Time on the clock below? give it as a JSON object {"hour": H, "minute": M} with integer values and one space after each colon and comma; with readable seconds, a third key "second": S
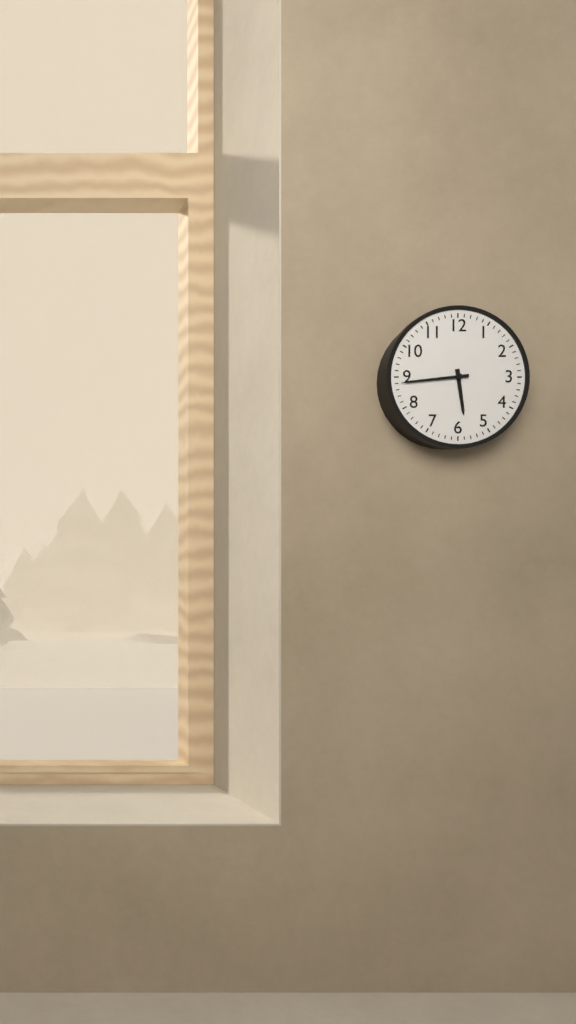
{"hour": 5, "minute": 44}
